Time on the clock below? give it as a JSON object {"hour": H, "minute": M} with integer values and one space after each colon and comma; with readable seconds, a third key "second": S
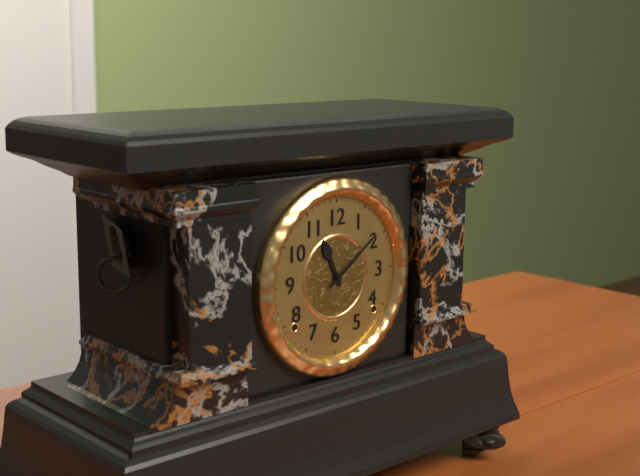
{"hour": 11, "minute": 9}
